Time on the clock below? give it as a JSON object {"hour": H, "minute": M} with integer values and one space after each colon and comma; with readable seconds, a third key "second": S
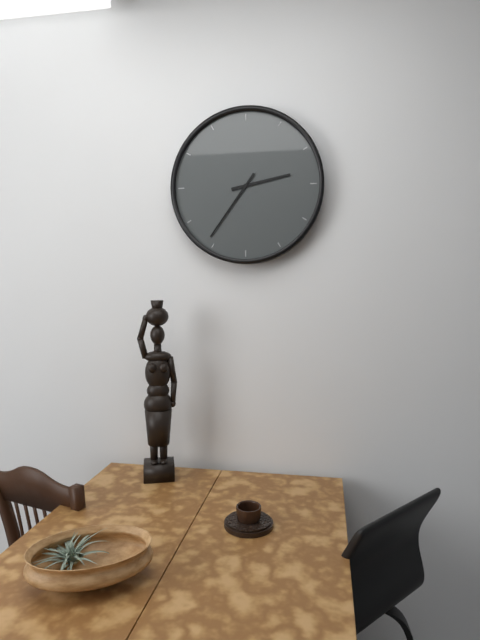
{"hour": 2, "minute": 36}
